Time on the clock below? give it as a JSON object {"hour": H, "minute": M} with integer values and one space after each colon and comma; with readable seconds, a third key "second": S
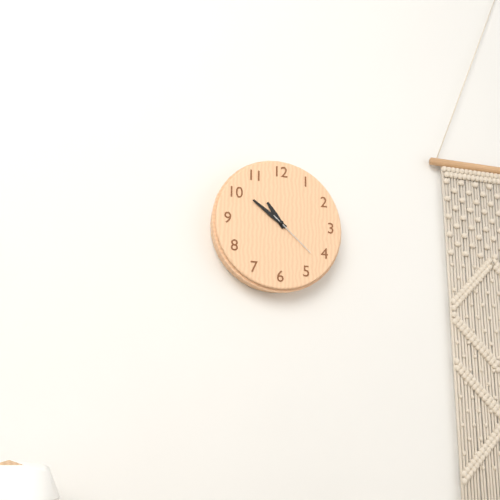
{"hour": 10, "minute": 51, "second": 22}
